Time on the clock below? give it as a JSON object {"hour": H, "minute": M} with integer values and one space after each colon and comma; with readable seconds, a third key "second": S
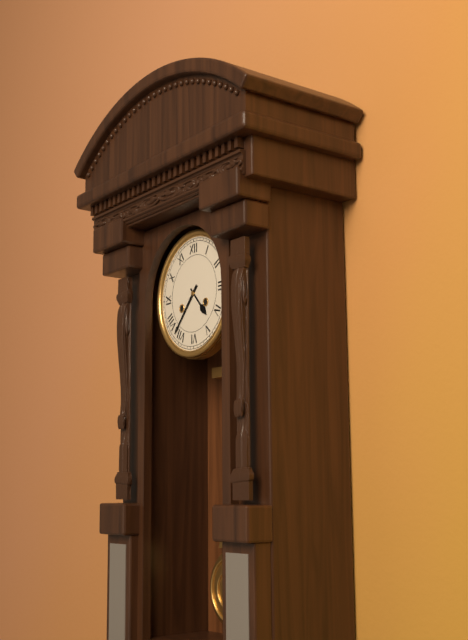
{"hour": 4, "minute": 37}
